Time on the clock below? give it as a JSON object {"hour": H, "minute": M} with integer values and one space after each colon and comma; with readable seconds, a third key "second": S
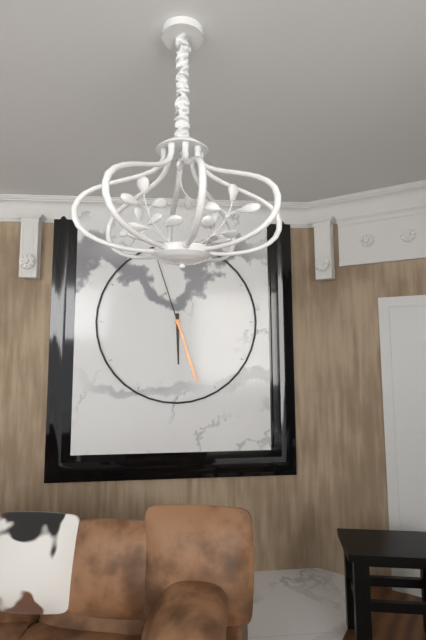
{"hour": 5, "minute": 57}
